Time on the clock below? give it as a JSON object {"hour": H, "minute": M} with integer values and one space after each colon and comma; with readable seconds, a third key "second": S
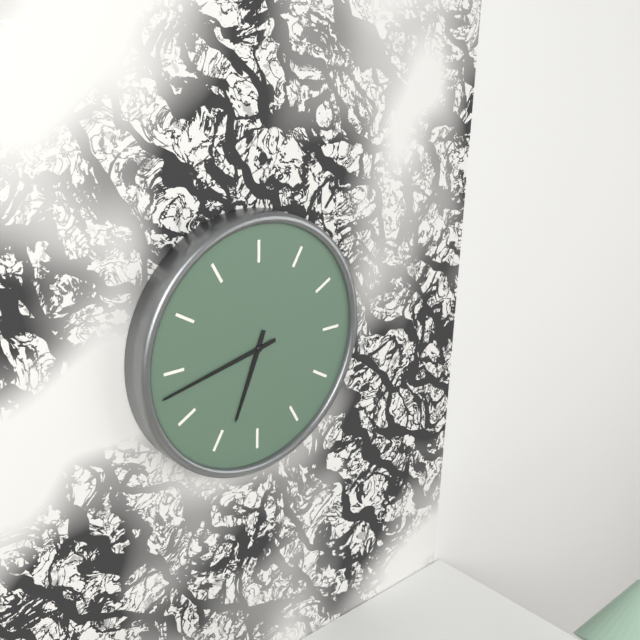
{"hour": 6, "minute": 43}
